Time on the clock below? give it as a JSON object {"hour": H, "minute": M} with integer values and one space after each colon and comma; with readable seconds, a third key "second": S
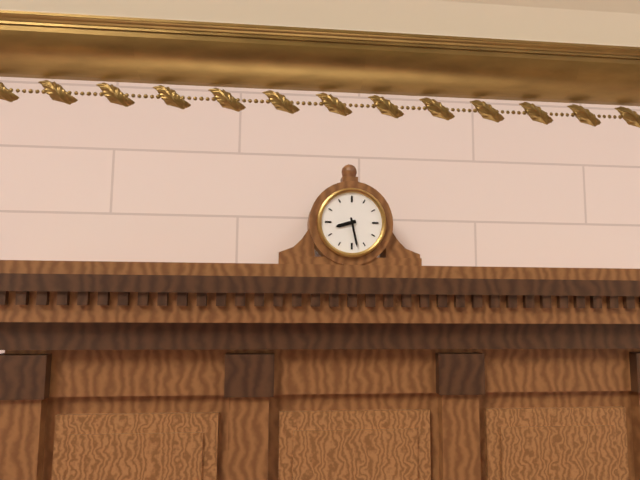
{"hour": 8, "minute": 28}
